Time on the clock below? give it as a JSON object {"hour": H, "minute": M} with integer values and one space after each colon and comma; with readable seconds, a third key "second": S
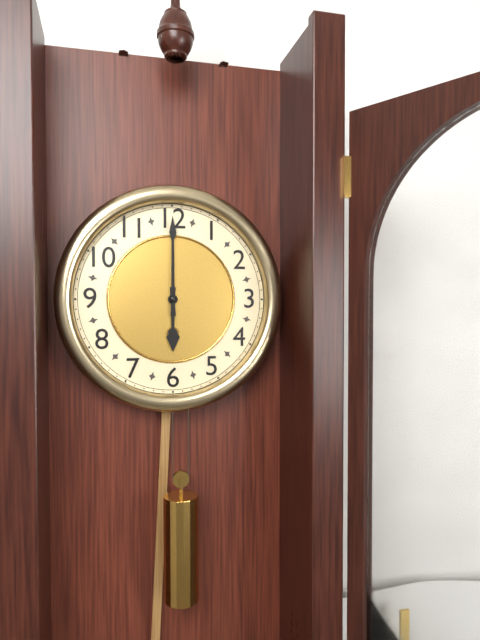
{"hour": 6, "minute": 0}
